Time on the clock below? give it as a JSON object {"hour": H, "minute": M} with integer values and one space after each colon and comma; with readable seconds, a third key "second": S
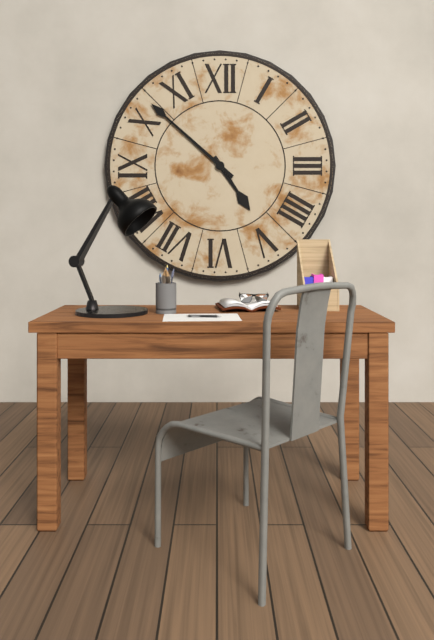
{"hour": 4, "minute": 52}
